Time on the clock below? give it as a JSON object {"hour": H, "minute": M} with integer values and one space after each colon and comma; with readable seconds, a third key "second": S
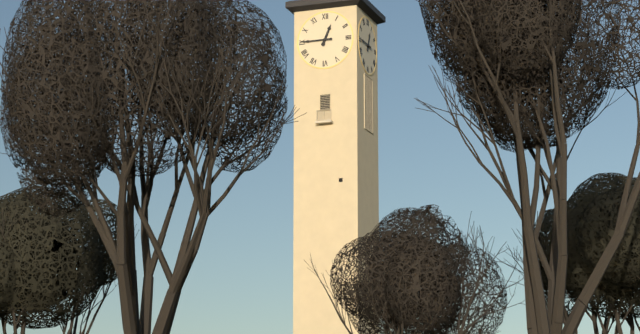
{"hour": 12, "minute": 45}
